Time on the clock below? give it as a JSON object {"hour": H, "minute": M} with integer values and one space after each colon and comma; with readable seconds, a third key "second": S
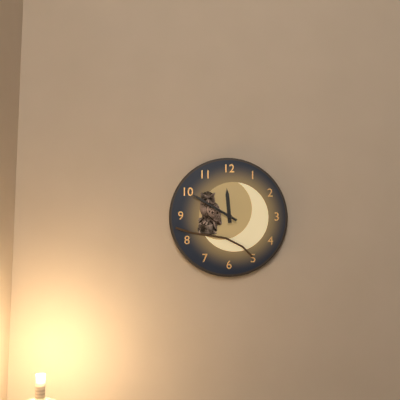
{"hour": 11, "minute": 50}
